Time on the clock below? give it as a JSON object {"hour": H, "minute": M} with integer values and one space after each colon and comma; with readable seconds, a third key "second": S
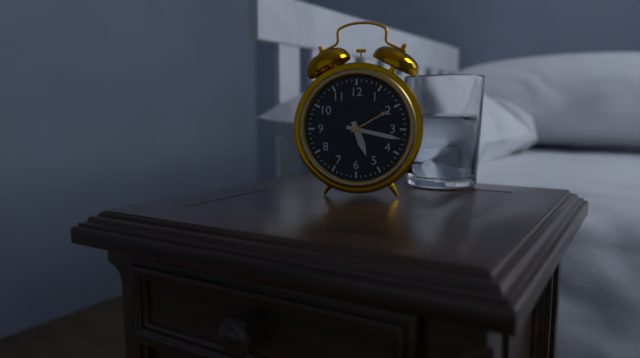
{"hour": 5, "minute": 17}
